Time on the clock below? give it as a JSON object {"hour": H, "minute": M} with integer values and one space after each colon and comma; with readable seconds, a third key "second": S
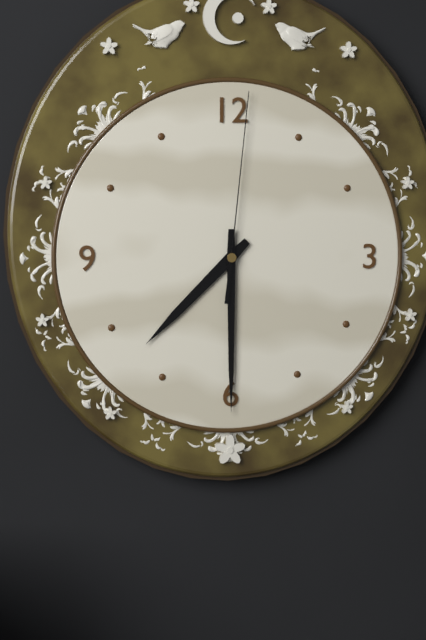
{"hour": 7, "minute": 30, "second": 1}
